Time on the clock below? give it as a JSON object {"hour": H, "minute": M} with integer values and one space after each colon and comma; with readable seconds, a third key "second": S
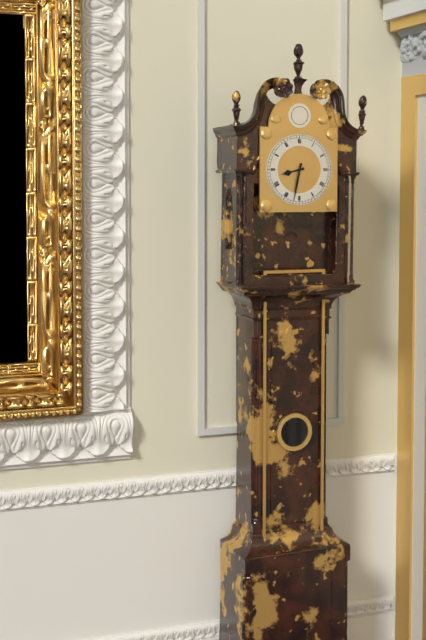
{"hour": 8, "minute": 32}
